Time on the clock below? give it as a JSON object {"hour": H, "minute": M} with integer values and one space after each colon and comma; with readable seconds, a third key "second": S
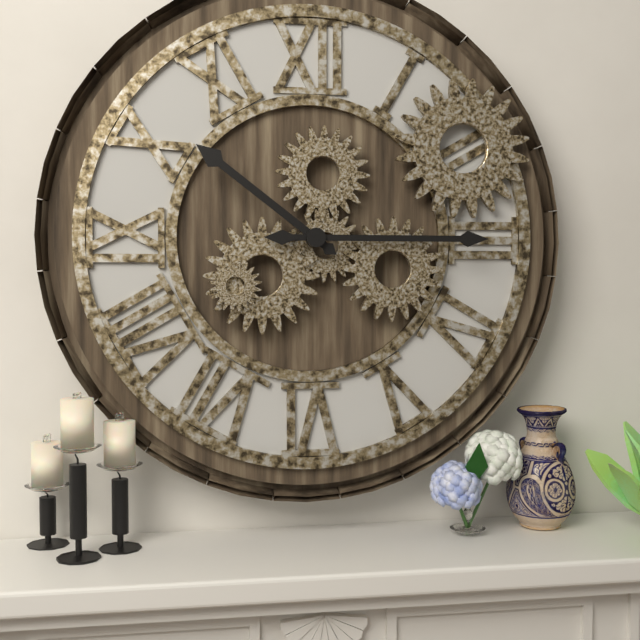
{"hour": 10, "minute": 15}
